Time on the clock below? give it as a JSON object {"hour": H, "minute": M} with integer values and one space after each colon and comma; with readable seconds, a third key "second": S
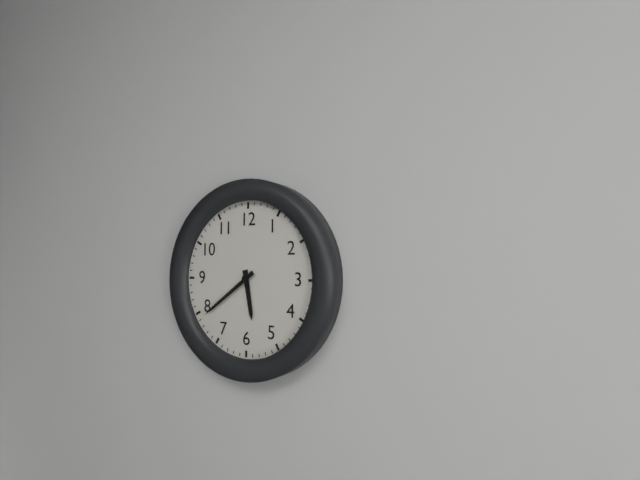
{"hour": 5, "minute": 39}
